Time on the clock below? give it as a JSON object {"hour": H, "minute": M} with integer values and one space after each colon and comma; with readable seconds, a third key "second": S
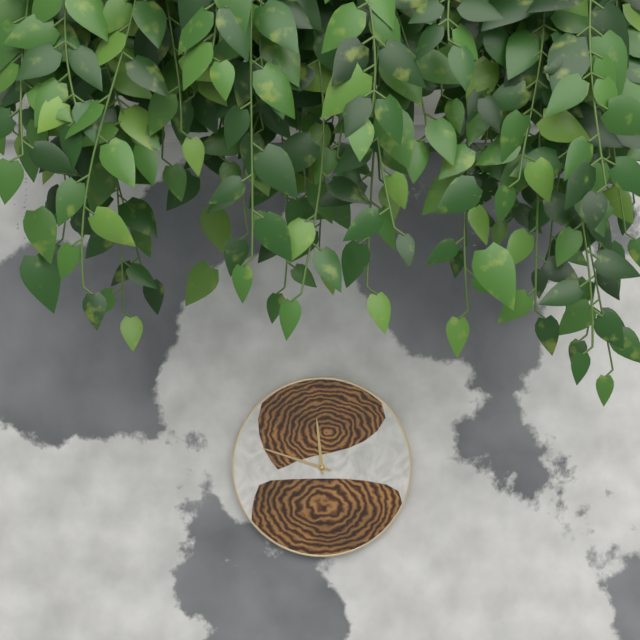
{"hour": 11, "minute": 48}
